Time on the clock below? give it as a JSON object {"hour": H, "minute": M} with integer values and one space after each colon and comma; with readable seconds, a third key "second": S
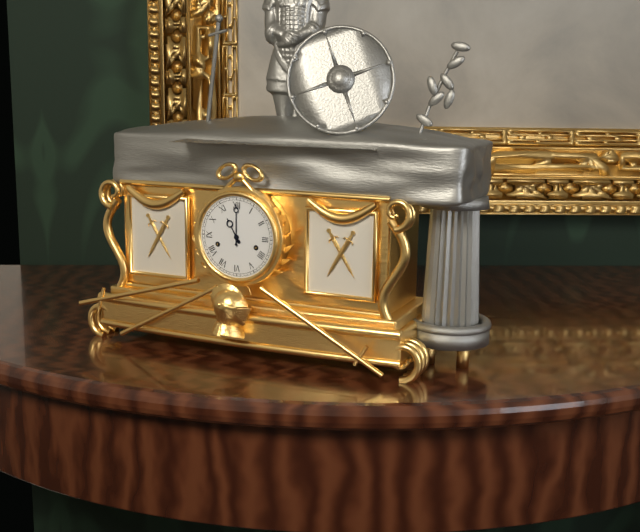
{"hour": 11, "minute": 0}
